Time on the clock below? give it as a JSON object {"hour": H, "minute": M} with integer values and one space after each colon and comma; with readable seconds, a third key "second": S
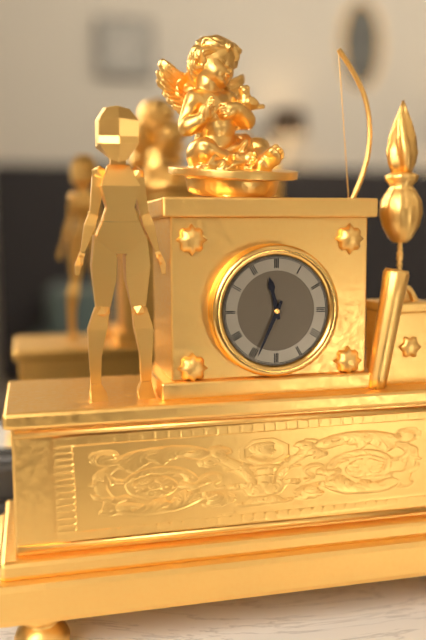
{"hour": 11, "minute": 34}
